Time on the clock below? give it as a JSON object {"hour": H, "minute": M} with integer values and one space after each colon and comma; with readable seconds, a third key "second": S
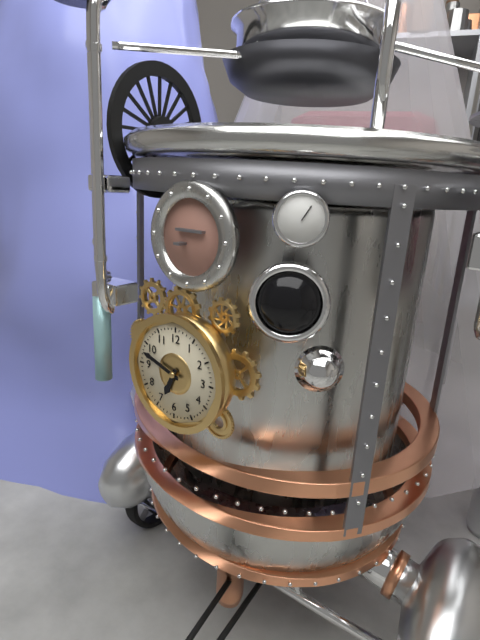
{"hour": 6, "minute": 48}
